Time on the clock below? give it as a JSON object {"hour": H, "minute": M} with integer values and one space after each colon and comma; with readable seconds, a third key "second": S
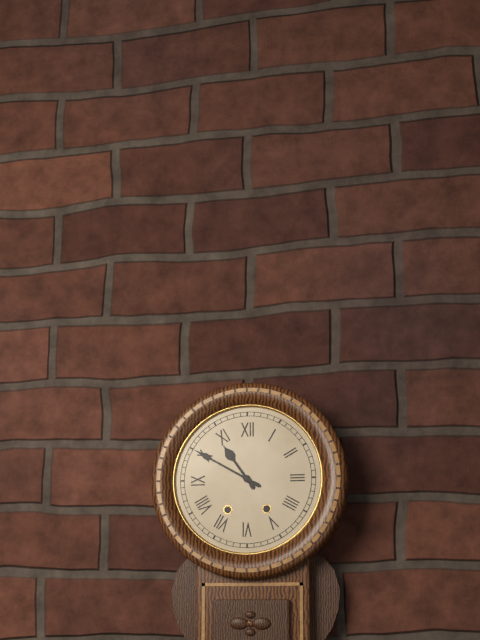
{"hour": 10, "minute": 50}
